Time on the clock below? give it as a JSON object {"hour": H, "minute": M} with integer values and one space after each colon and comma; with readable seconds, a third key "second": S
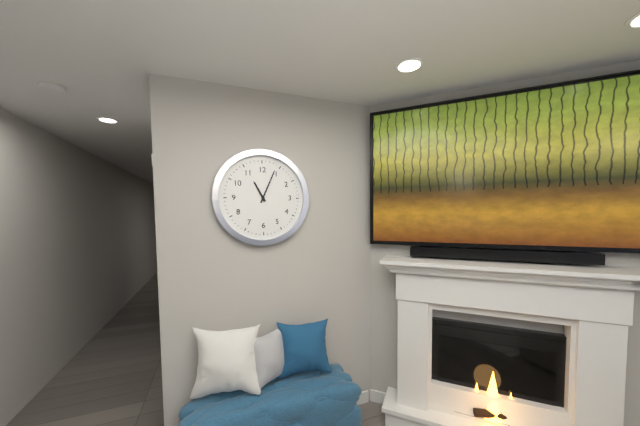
{"hour": 11, "minute": 4}
